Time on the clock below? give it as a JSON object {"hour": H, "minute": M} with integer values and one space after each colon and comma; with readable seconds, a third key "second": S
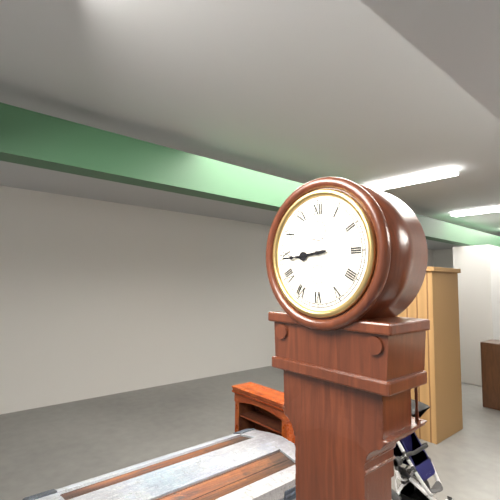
{"hour": 8, "minute": 44}
